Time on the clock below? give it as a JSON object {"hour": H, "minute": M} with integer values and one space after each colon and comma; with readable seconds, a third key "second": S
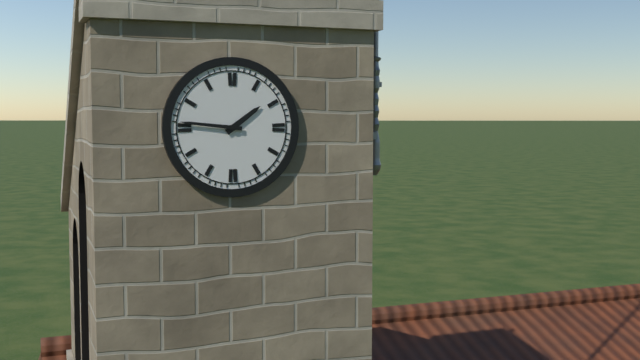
{"hour": 1, "minute": 46}
